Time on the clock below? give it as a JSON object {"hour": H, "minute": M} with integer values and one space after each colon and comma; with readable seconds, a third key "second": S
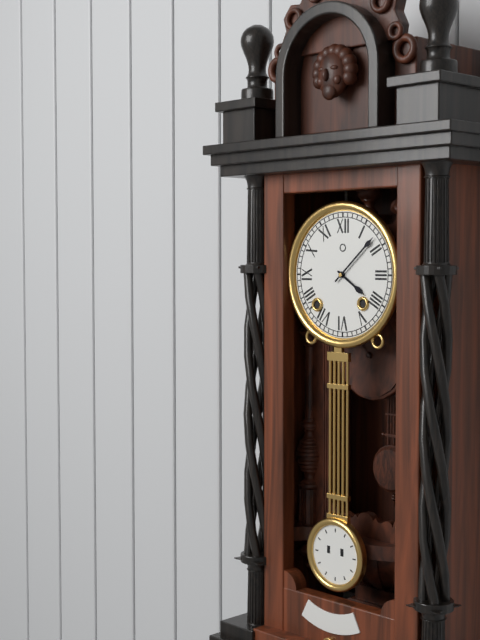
{"hour": 4, "minute": 8}
